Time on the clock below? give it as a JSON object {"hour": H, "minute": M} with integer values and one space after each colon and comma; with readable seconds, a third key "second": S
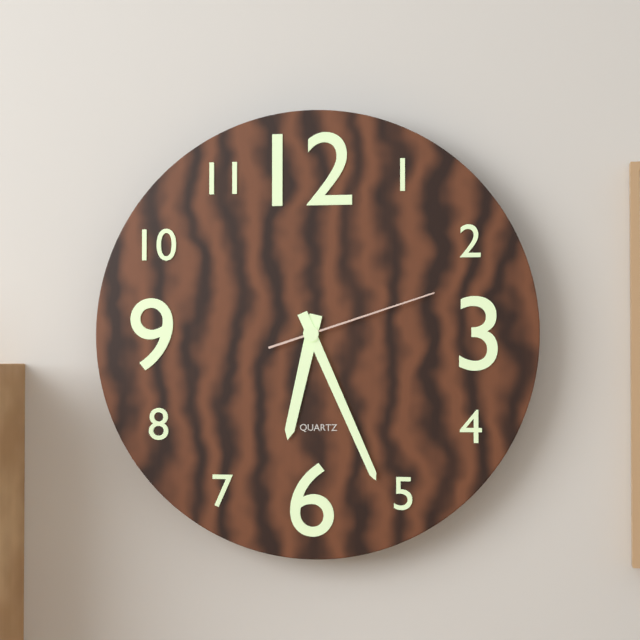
{"hour": 6, "minute": 26, "second": 12}
